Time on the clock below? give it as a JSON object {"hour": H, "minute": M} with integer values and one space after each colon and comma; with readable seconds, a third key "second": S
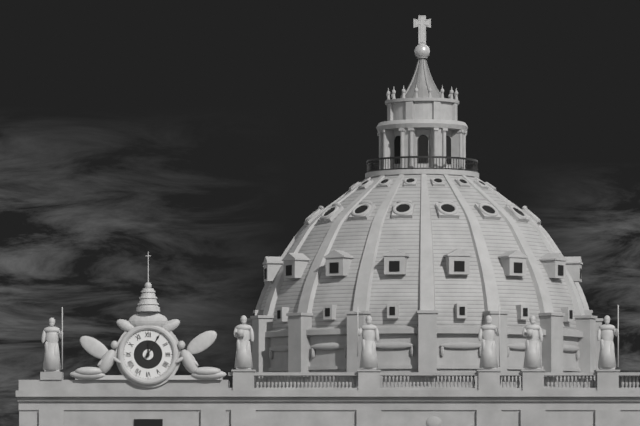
{"hour": 12, "minute": 5}
